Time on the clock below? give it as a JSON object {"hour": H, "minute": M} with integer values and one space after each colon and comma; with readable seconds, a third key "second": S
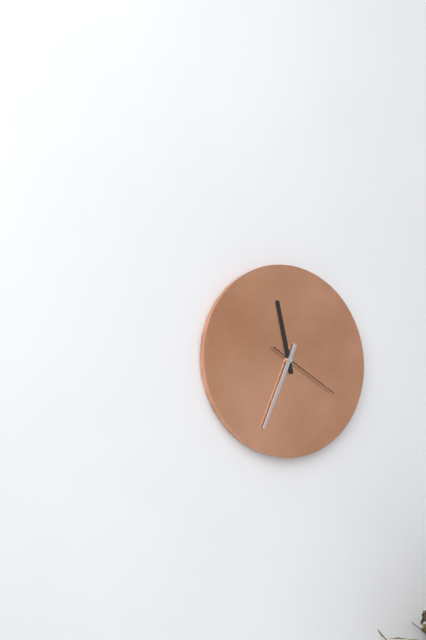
{"hour": 11, "minute": 34, "second": 20}
